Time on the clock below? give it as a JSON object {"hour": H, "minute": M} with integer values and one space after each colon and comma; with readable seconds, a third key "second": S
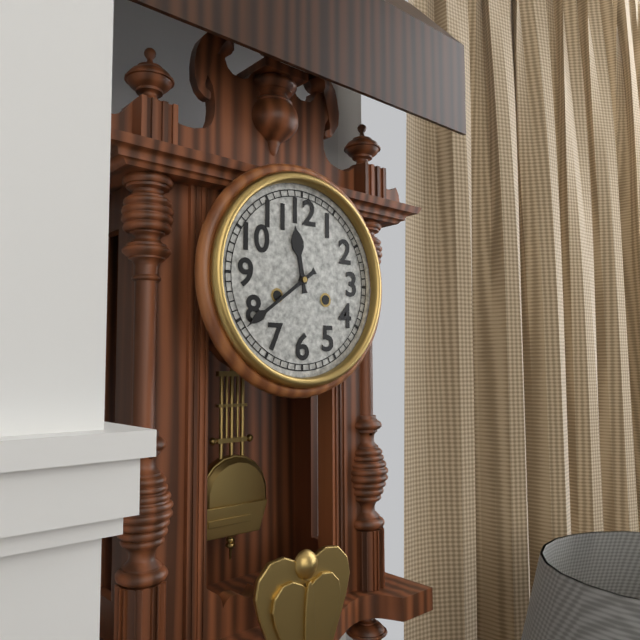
{"hour": 11, "minute": 39}
